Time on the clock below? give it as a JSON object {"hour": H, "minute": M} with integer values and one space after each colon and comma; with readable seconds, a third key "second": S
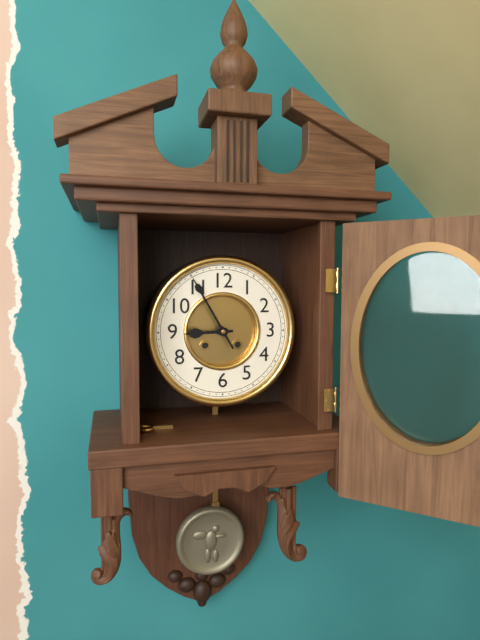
{"hour": 8, "minute": 55}
